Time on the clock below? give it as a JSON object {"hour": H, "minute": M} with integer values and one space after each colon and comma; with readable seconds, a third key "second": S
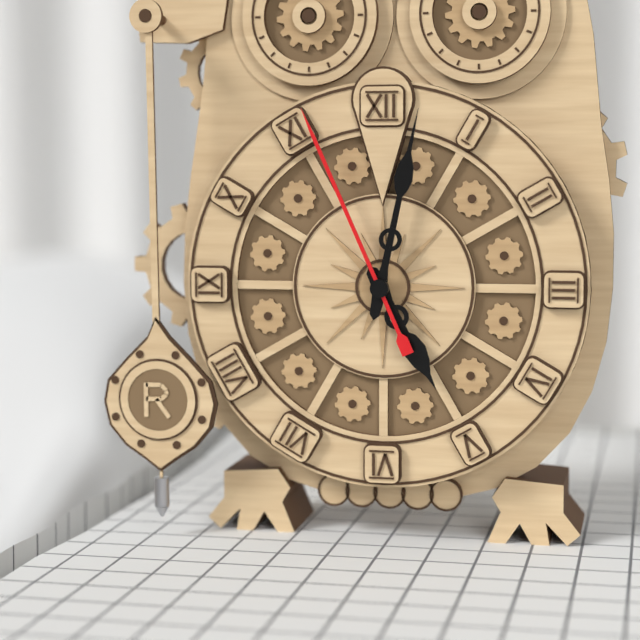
{"hour": 5, "minute": 2, "second": 56}
